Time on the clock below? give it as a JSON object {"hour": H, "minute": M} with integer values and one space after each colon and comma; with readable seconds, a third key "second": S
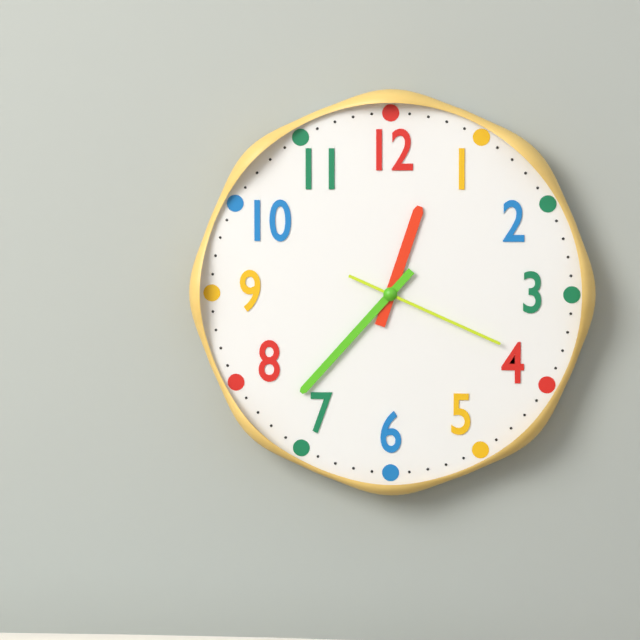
{"hour": 12, "minute": 37, "second": 19}
